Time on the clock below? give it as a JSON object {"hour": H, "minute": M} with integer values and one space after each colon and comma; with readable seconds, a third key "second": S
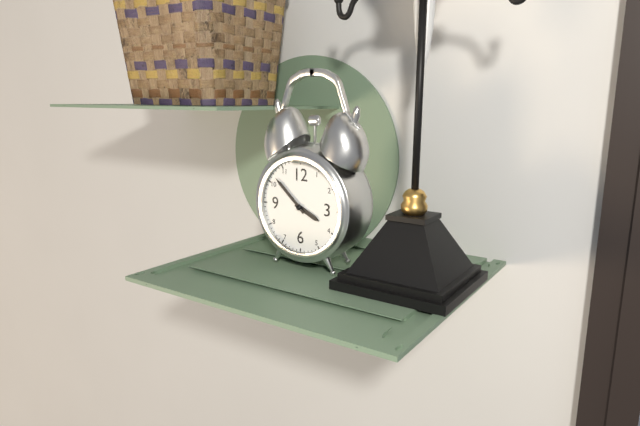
{"hour": 3, "minute": 52}
